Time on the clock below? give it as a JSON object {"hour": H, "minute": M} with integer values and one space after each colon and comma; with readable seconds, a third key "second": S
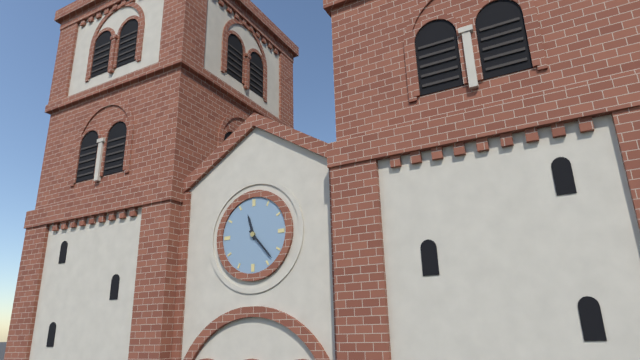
{"hour": 11, "minute": 23}
